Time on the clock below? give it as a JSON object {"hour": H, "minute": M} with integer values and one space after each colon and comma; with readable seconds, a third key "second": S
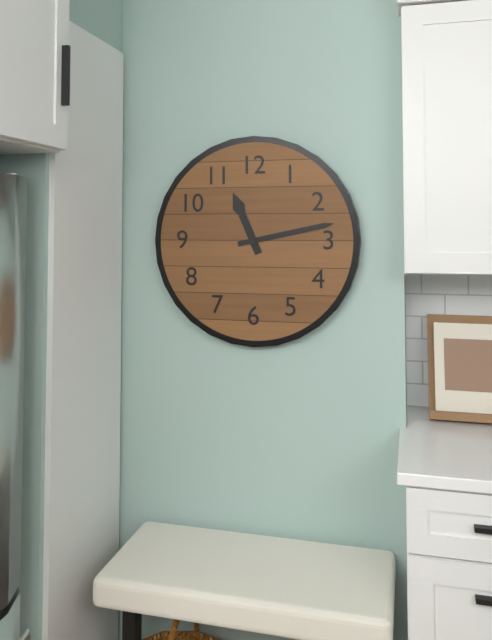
{"hour": 11, "minute": 13}
